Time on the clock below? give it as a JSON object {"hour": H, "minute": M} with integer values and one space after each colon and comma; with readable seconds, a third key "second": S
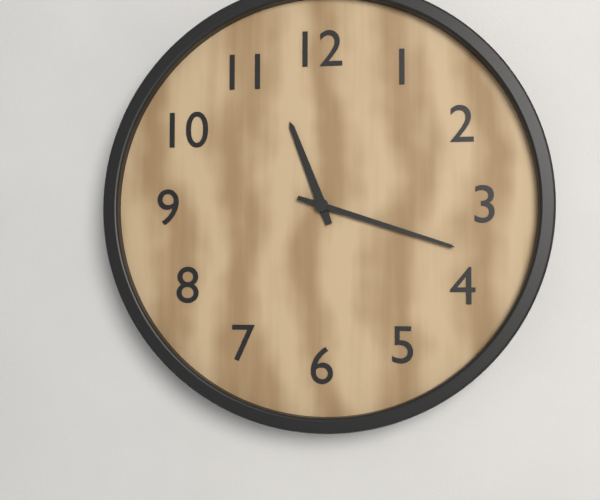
{"hour": 11, "minute": 18}
